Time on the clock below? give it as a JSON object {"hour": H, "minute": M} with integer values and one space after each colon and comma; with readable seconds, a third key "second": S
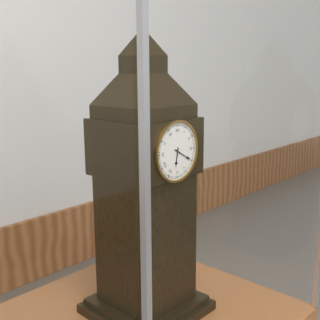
{"hour": 6, "minute": 20}
